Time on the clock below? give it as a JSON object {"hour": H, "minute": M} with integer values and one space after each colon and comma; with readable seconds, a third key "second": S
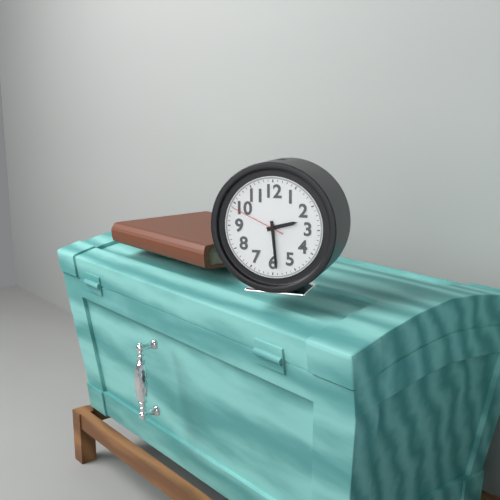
{"hour": 2, "minute": 29, "second": 49}
